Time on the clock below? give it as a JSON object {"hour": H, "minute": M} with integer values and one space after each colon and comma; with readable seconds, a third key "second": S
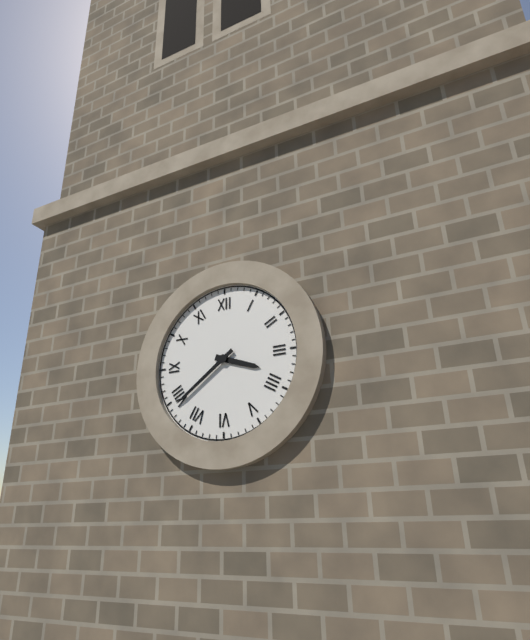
{"hour": 3, "minute": 39}
